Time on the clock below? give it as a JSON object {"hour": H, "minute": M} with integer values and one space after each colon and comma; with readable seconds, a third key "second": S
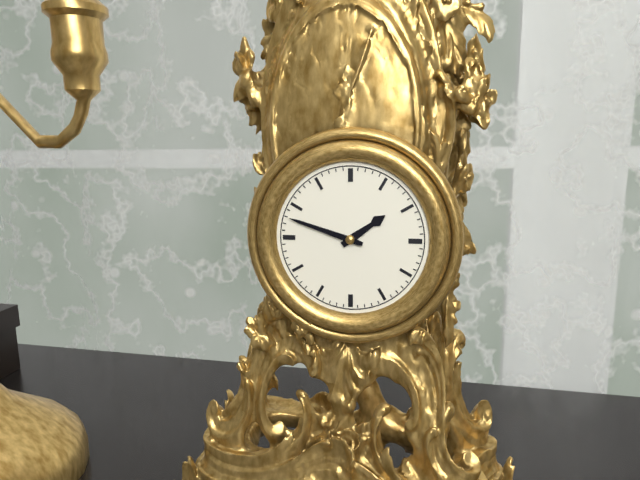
{"hour": 1, "minute": 48}
